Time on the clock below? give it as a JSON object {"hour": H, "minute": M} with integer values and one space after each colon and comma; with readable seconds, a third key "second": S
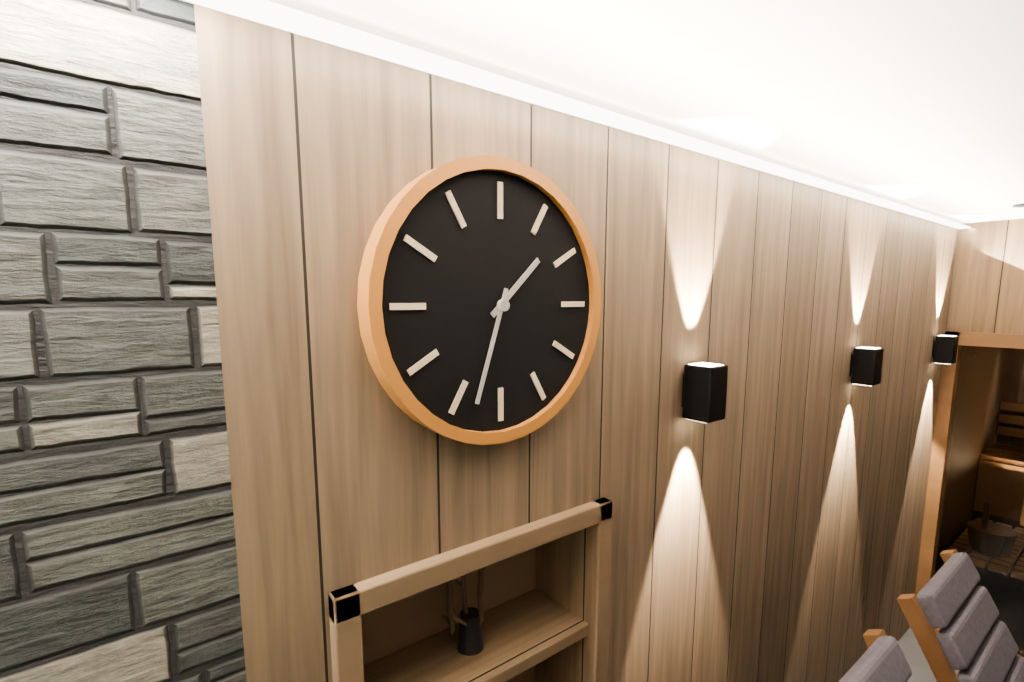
{"hour": 1, "minute": 33}
